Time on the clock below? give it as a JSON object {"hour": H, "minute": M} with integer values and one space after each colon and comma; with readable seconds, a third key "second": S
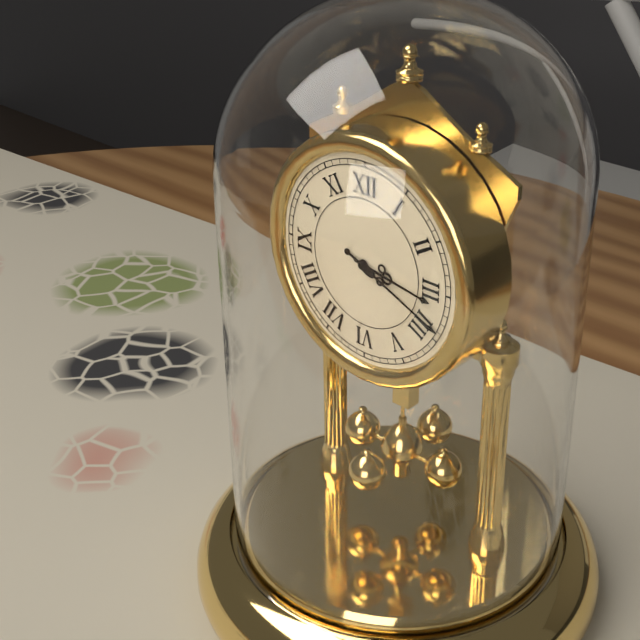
{"hour": 3, "minute": 19}
